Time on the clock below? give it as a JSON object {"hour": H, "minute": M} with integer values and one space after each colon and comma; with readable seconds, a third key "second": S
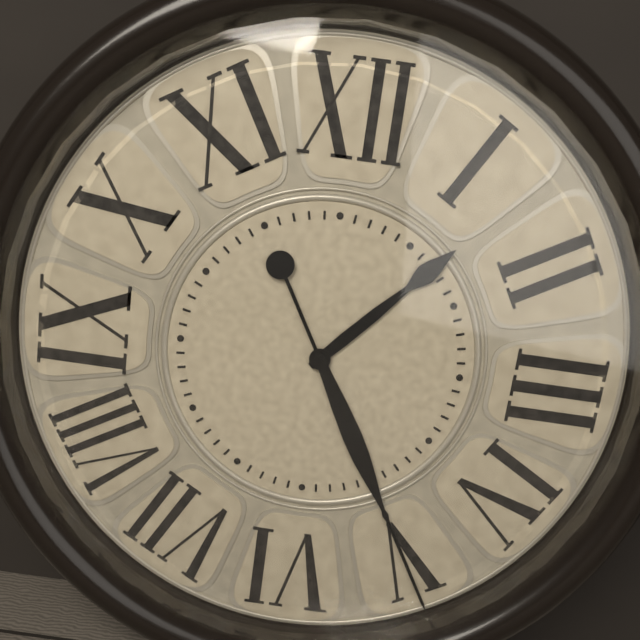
{"hour": 1, "minute": 25}
